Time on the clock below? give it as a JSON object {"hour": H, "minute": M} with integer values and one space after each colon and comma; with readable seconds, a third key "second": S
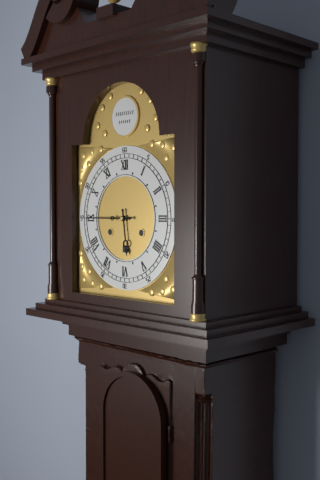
{"hour": 5, "minute": 45}
